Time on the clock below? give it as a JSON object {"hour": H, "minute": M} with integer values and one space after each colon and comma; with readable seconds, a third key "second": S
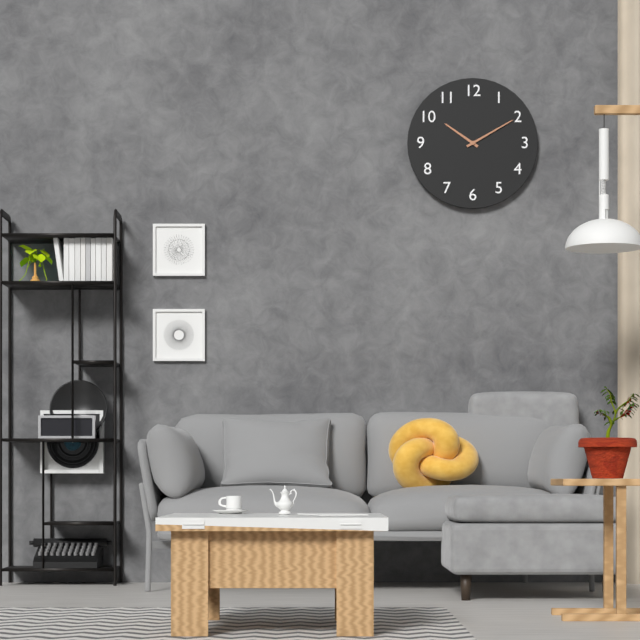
{"hour": 10, "minute": 10}
